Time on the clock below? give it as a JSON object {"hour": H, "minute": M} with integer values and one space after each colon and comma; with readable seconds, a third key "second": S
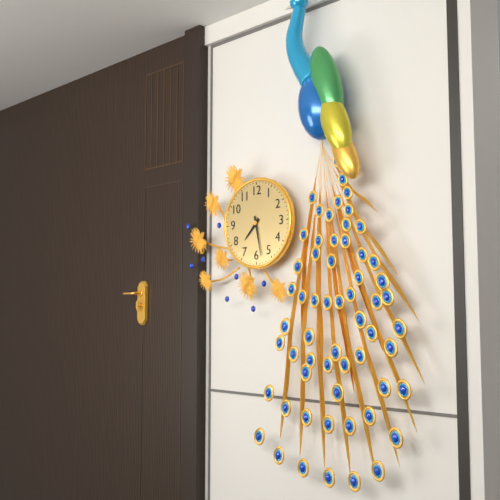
{"hour": 7, "minute": 28}
